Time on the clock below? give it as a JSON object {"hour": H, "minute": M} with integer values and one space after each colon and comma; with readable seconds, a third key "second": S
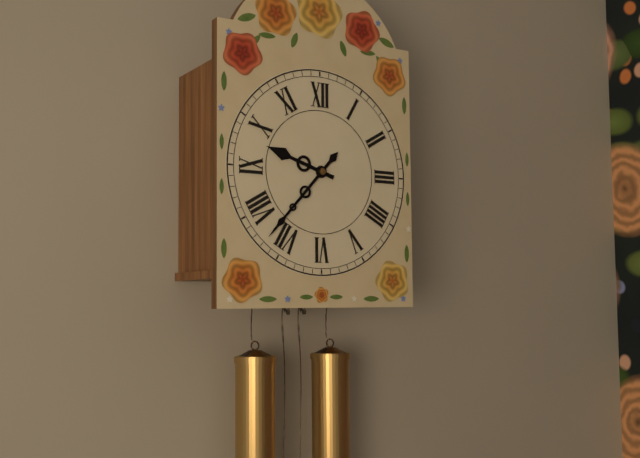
{"hour": 9, "minute": 37}
